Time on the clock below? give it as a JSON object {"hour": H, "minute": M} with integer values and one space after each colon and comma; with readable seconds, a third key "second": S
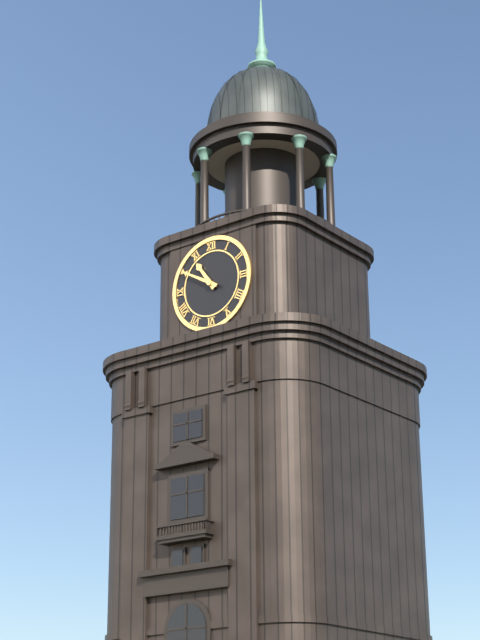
{"hour": 10, "minute": 50}
